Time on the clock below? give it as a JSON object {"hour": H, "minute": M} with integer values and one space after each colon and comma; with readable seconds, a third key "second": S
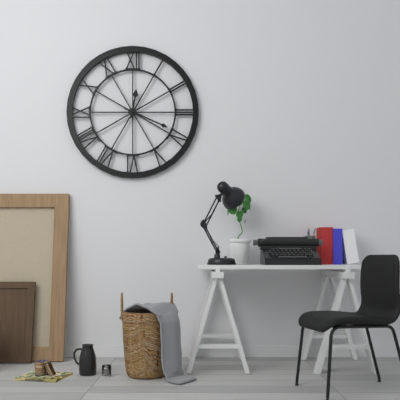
{"hour": 12, "minute": 19}
